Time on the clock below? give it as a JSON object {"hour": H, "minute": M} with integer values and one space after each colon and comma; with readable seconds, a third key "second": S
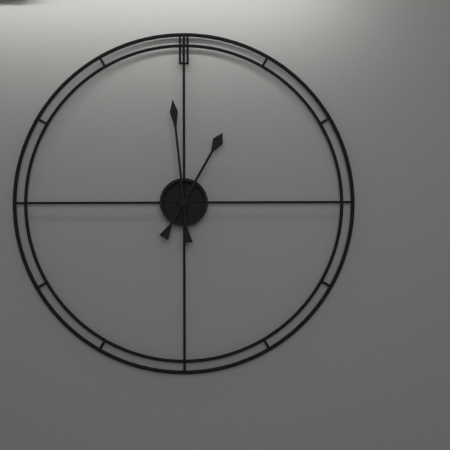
{"hour": 12, "minute": 59}
